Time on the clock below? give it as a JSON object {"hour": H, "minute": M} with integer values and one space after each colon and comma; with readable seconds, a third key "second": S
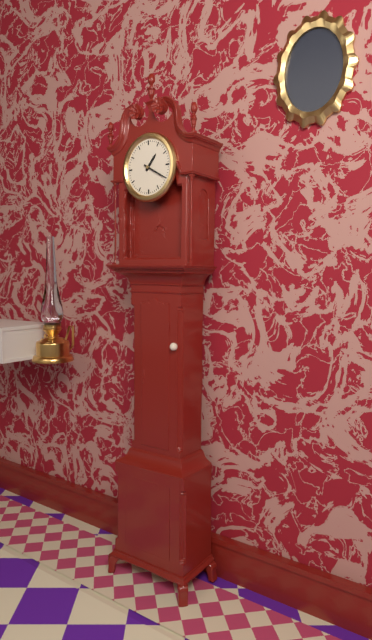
{"hour": 1, "minute": 20}
